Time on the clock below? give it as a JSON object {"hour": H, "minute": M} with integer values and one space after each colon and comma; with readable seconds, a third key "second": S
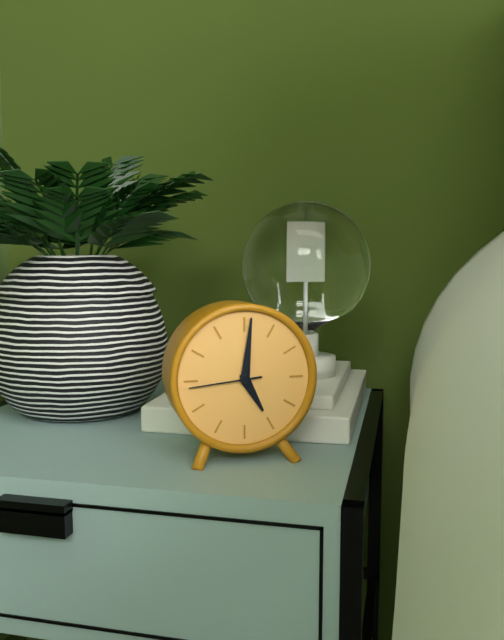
{"hour": 5, "minute": 1, "second": 44}
